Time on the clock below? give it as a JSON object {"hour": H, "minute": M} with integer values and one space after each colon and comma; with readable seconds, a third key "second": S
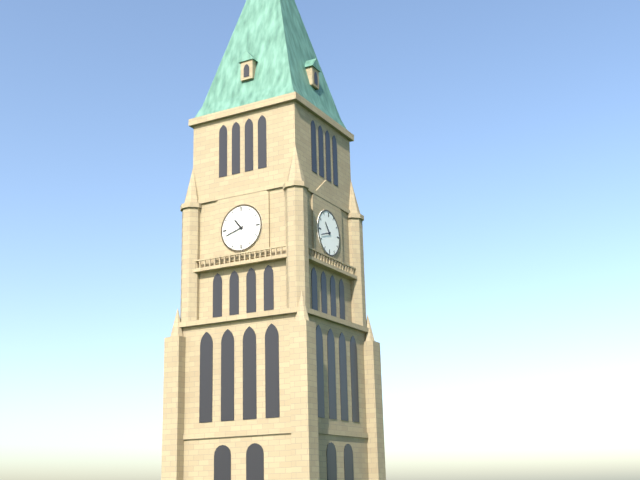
{"hour": 10, "minute": 42}
